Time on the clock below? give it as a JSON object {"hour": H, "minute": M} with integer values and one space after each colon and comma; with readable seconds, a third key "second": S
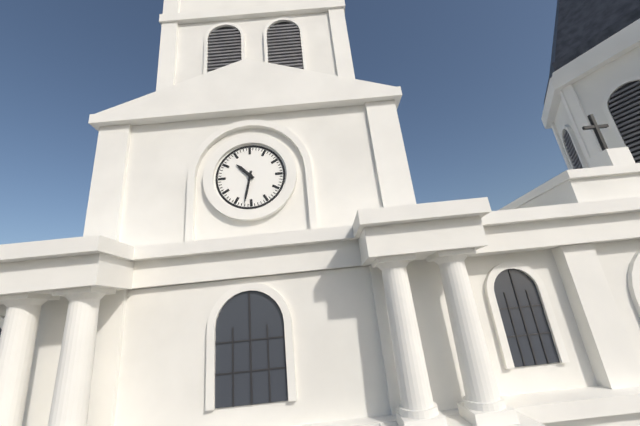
{"hour": 10, "minute": 32}
